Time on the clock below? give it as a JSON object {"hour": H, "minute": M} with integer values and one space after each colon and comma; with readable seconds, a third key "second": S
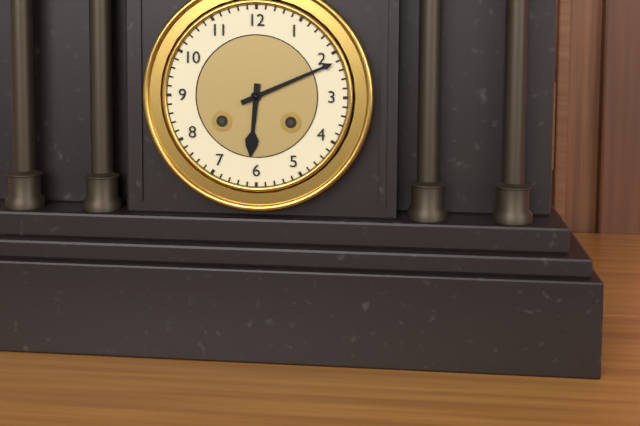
{"hour": 6, "minute": 11}
